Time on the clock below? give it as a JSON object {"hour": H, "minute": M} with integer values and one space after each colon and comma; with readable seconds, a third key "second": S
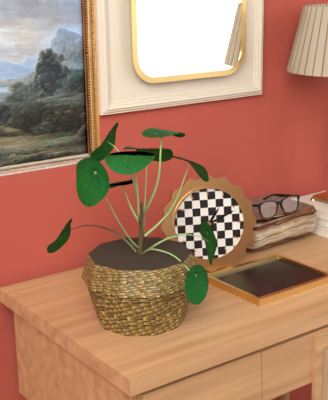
{"hour": 1, "minute": 11}
